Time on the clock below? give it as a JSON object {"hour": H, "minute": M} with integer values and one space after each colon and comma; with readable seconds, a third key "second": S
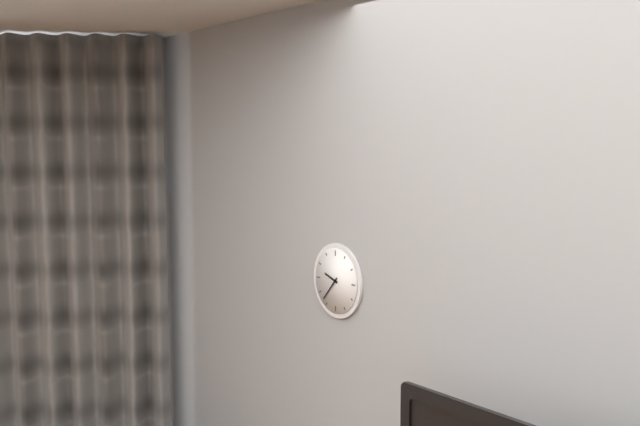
{"hour": 9, "minute": 37}
